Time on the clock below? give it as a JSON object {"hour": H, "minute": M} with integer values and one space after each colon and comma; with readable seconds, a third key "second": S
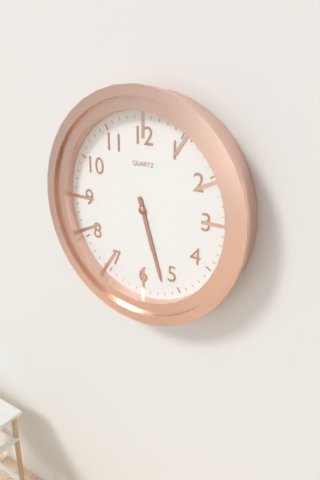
{"hour": 5, "minute": 27}
